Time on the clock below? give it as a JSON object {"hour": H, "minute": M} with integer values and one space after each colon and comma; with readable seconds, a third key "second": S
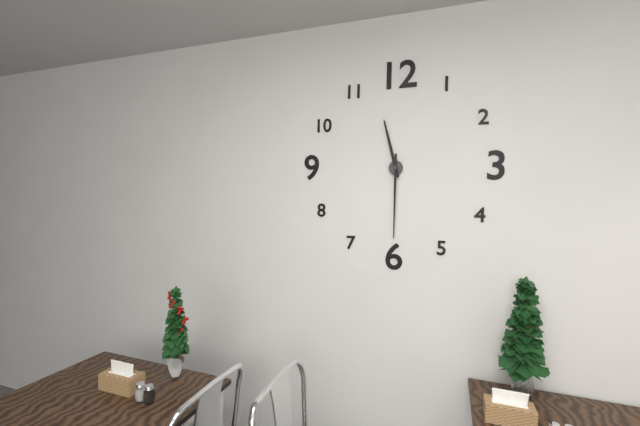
{"hour": 11, "minute": 30}
